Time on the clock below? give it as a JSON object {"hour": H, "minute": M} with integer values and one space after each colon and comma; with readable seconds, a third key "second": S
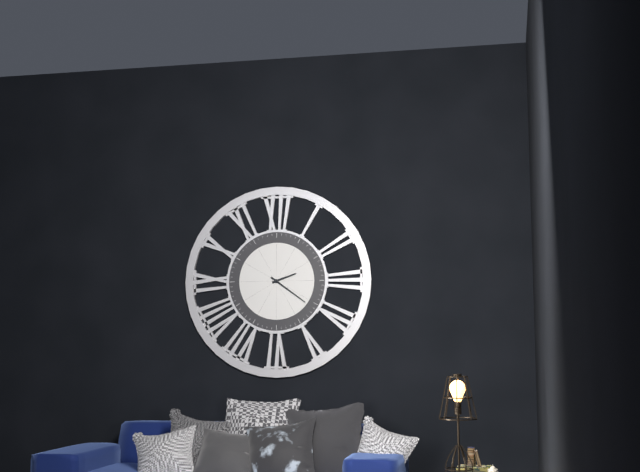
{"hour": 2, "minute": 21}
